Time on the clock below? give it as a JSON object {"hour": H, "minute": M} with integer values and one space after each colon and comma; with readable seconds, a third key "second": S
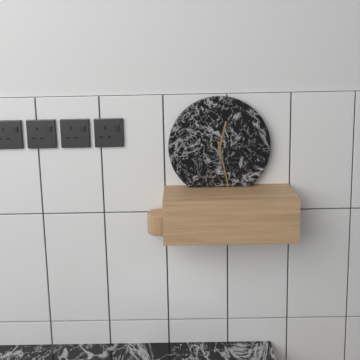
{"hour": 12, "minute": 28}
